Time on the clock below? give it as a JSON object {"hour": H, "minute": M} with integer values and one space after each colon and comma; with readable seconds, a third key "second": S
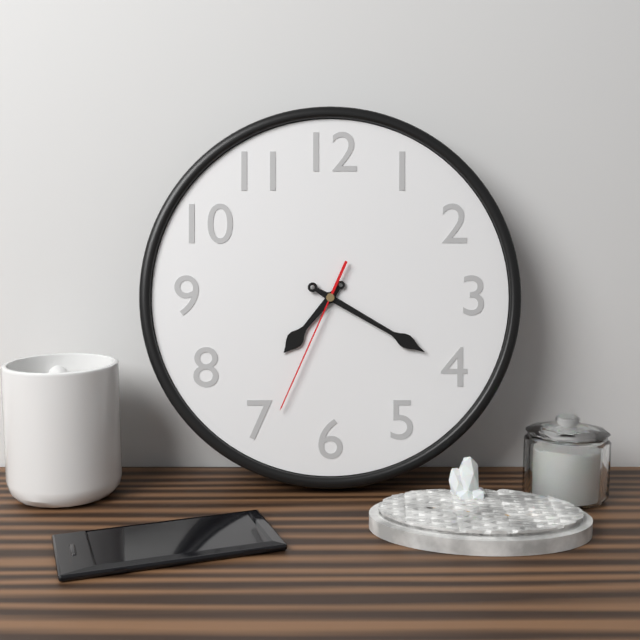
{"hour": 7, "minute": 20, "second": 34}
